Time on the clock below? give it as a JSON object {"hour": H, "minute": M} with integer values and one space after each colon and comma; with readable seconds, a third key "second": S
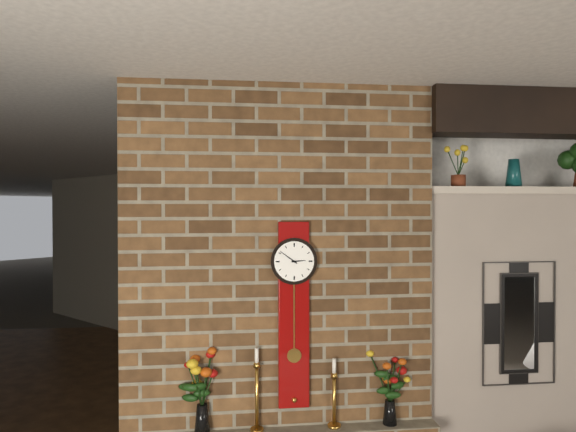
{"hour": 2, "minute": 51}
